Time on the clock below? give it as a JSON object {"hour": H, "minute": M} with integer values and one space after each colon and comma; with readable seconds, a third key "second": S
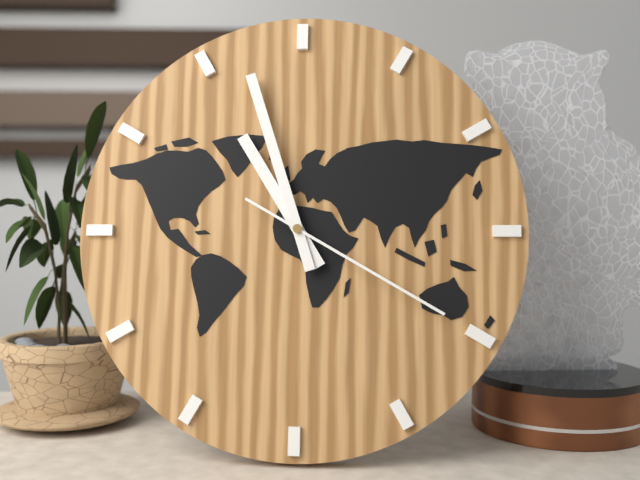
{"hour": 10, "minute": 57, "second": 20}
